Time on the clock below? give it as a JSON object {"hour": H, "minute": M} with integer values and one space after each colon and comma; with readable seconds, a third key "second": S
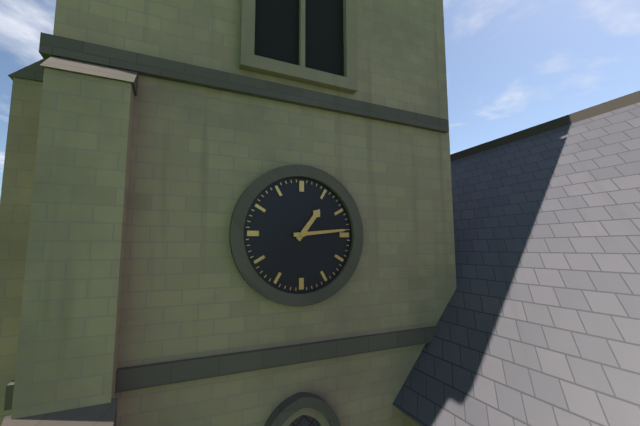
{"hour": 1, "minute": 14}
